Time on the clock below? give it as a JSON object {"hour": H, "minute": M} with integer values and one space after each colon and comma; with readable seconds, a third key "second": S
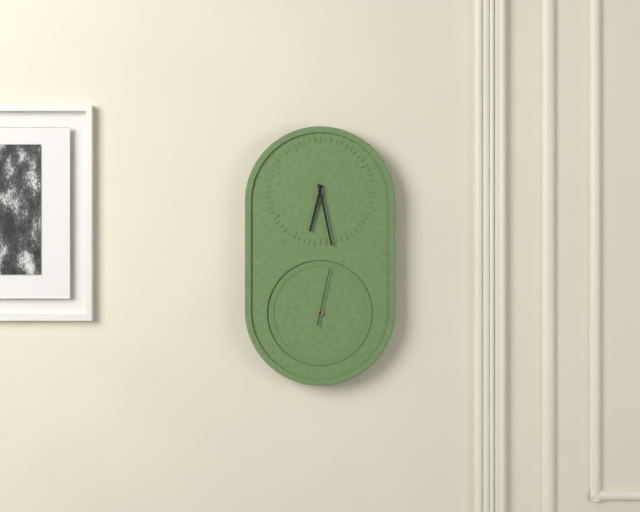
{"hour": 6, "minute": 28, "second": 2}
